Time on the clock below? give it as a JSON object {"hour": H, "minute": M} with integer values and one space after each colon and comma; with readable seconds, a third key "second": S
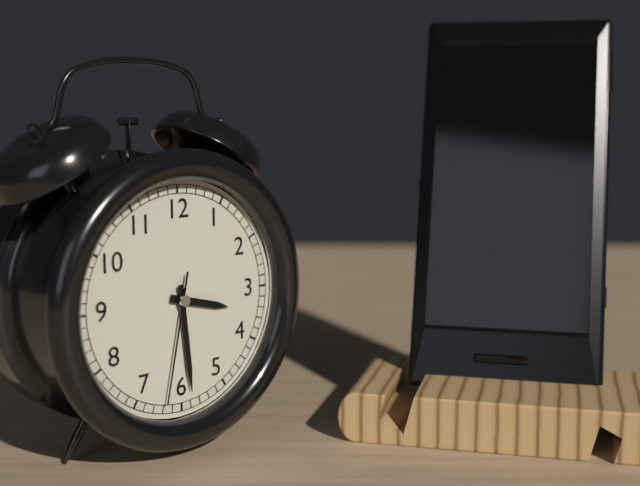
{"hour": 3, "minute": 29, "second": 32}
